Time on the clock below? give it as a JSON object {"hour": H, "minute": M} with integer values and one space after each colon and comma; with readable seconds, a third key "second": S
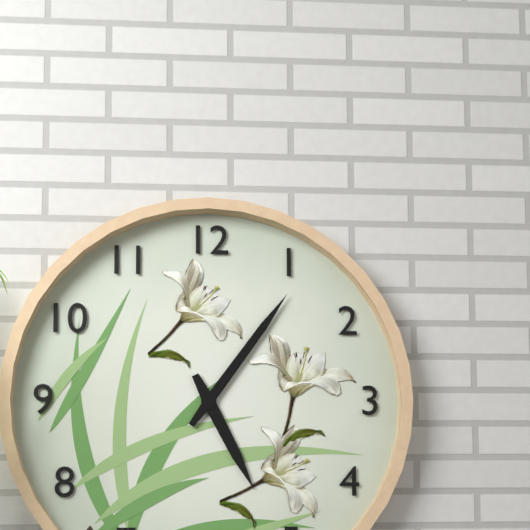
{"hour": 5, "minute": 6}
